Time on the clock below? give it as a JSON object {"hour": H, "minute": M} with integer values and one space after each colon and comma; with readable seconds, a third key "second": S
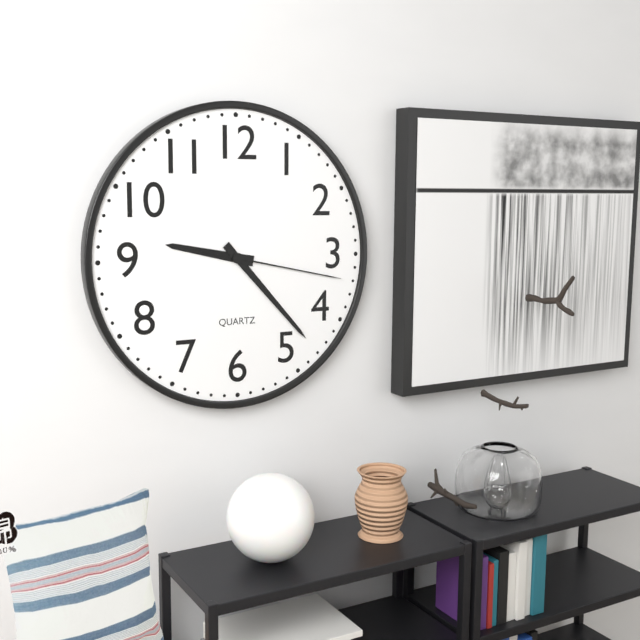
{"hour": 9, "minute": 23, "second": 17}
